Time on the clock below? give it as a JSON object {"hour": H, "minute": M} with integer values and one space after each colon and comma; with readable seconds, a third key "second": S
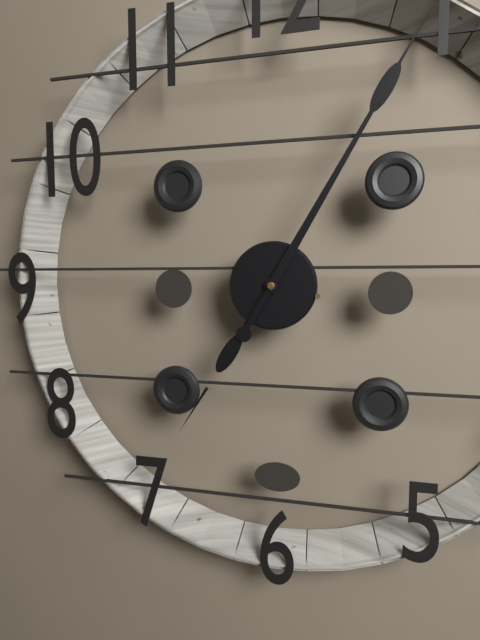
{"hour": 7, "minute": 5}
